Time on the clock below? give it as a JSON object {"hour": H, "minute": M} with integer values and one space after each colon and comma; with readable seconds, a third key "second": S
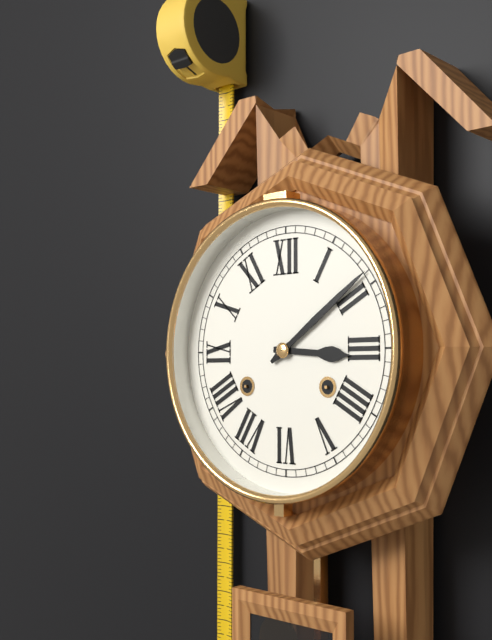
{"hour": 3, "minute": 9}
